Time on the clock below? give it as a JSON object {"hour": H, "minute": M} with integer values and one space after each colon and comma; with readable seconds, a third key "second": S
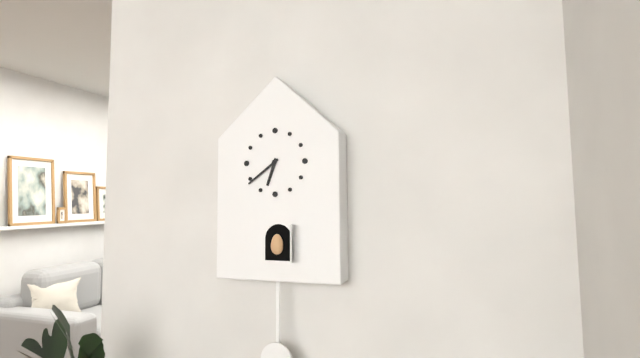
{"hour": 6, "minute": 39}
